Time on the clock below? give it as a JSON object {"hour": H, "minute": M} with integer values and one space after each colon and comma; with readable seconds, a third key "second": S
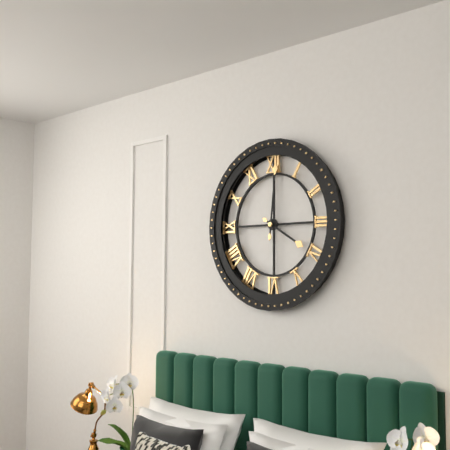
{"hour": 4, "minute": 1}
